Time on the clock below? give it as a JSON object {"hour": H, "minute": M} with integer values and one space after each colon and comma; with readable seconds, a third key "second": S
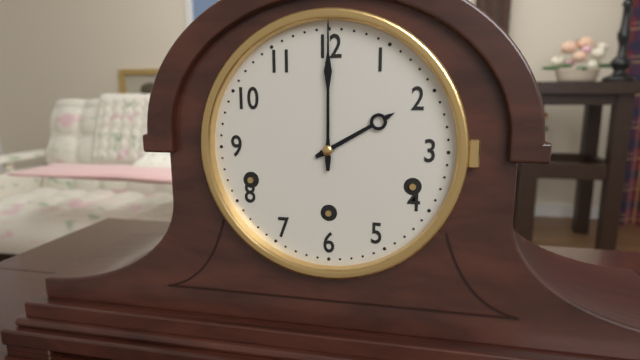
{"hour": 2, "minute": 0}
